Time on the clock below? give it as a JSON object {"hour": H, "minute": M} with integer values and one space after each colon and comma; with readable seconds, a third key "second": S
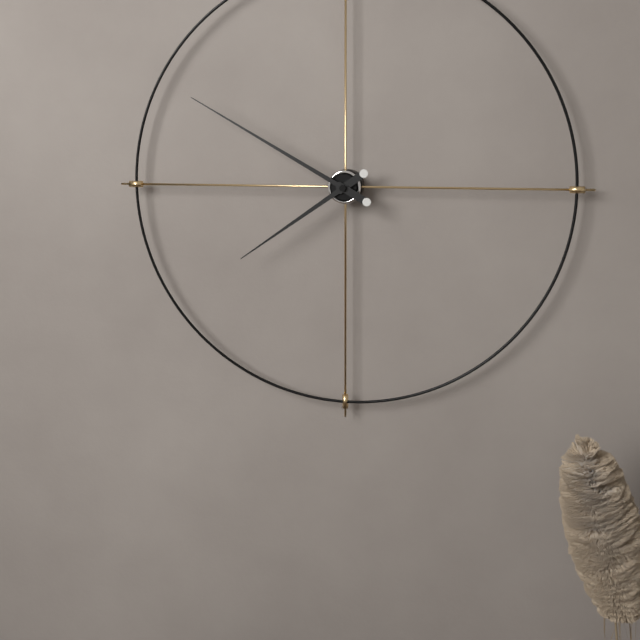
{"hour": 7, "minute": 50}
